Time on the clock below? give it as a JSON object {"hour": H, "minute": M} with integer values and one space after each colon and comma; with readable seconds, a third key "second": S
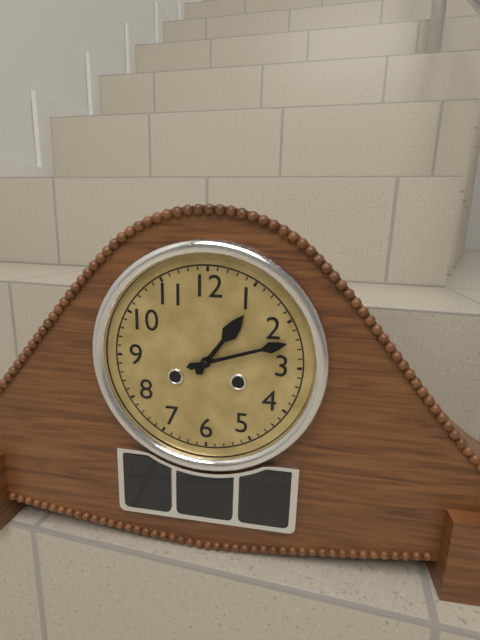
{"hour": 1, "minute": 12}
